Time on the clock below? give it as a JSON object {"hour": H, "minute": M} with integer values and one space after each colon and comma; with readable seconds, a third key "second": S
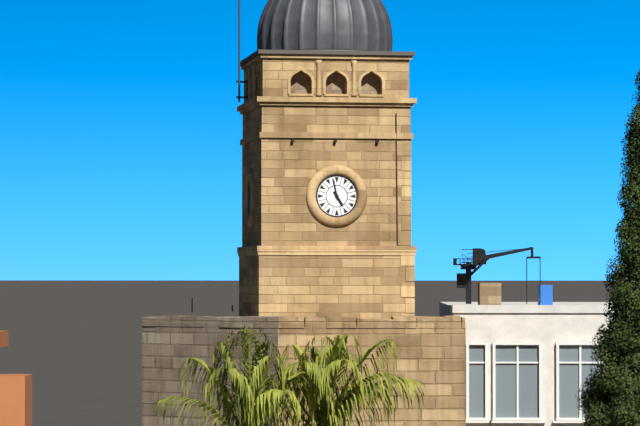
{"hour": 4, "minute": 58}
